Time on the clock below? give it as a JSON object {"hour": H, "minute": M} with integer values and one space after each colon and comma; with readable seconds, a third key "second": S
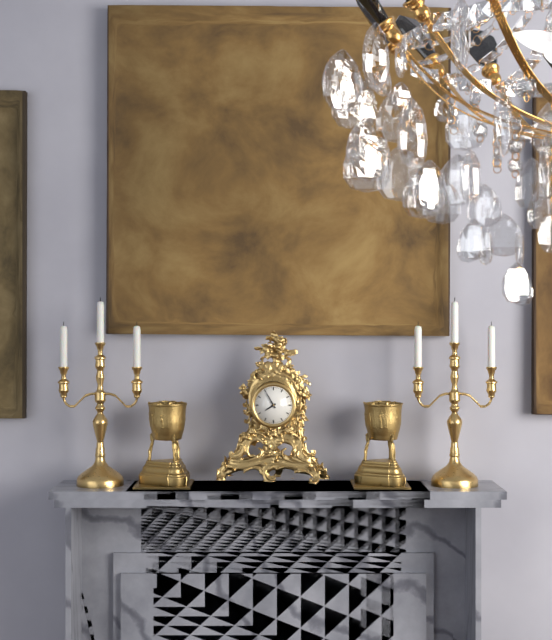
{"hour": 7, "minute": 55}
